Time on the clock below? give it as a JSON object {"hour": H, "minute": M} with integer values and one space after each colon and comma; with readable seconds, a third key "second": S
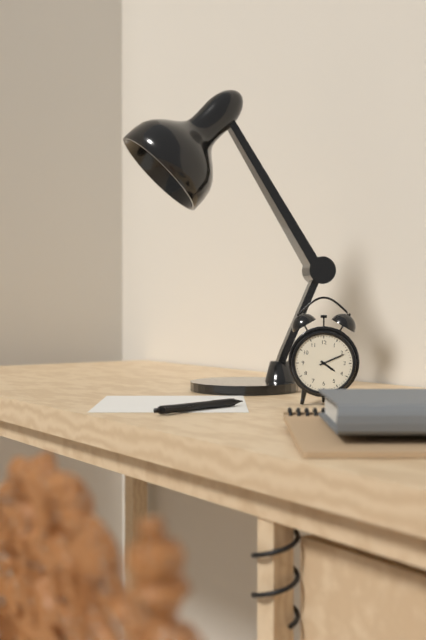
{"hour": 4, "minute": 11}
